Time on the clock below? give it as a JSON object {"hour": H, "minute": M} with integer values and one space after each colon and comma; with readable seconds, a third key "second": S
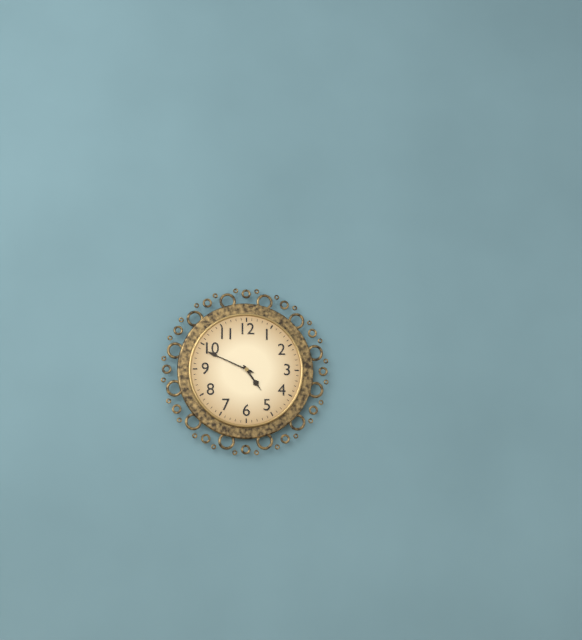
{"hour": 4, "minute": 49}
